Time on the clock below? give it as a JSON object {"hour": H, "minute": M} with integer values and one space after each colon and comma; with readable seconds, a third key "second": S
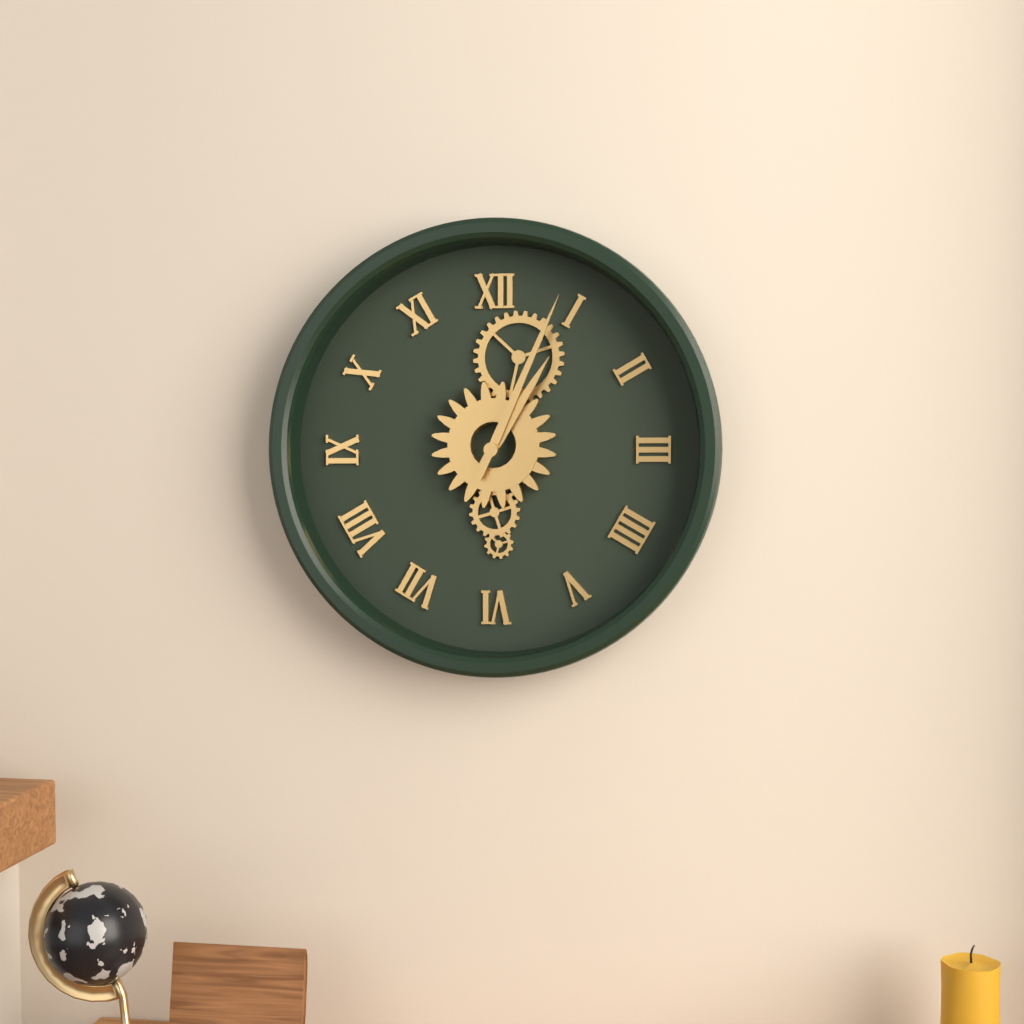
{"hour": 1, "minute": 4}
